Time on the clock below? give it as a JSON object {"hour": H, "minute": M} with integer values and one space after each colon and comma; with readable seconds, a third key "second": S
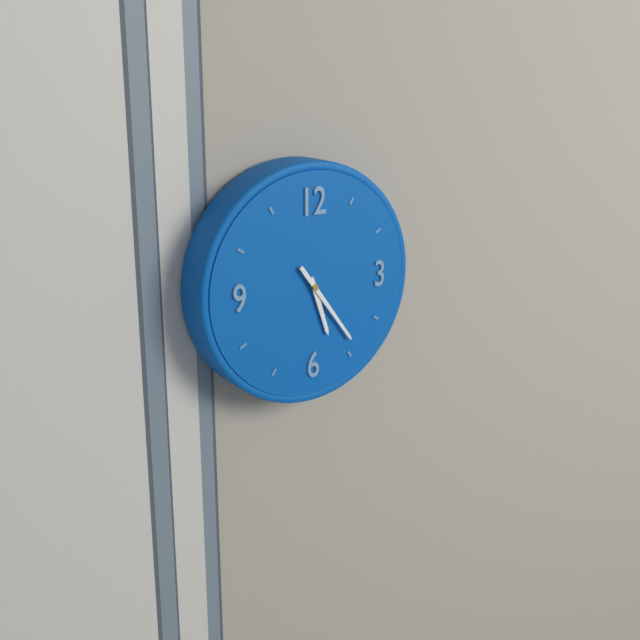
{"hour": 5, "minute": 24}
